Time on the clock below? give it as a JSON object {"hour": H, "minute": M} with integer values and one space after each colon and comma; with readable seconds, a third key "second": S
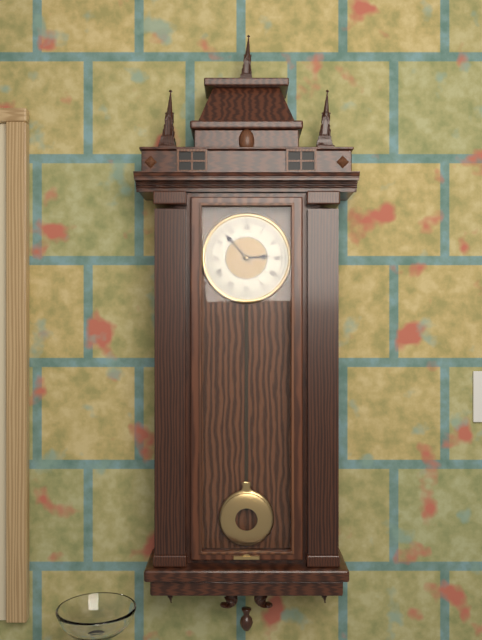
{"hour": 2, "minute": 53}
